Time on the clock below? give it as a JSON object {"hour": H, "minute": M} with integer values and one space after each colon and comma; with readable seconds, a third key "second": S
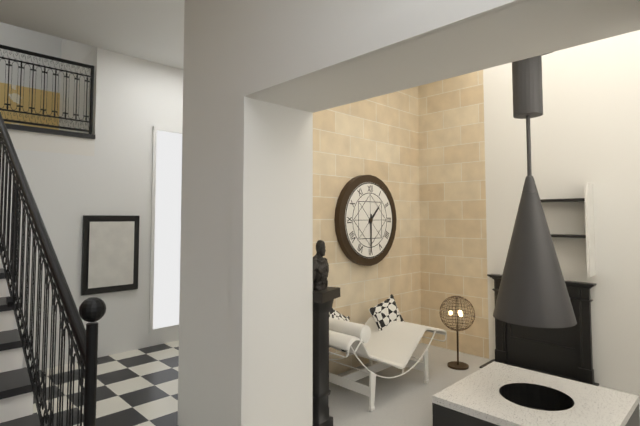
{"hour": 1, "minute": 30}
